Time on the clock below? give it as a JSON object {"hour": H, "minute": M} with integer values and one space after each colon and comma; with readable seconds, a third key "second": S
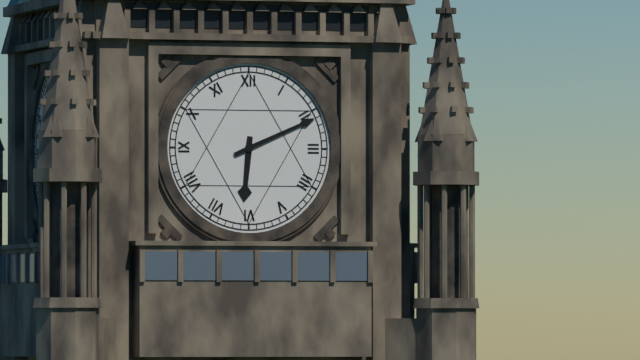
{"hour": 6, "minute": 11}
